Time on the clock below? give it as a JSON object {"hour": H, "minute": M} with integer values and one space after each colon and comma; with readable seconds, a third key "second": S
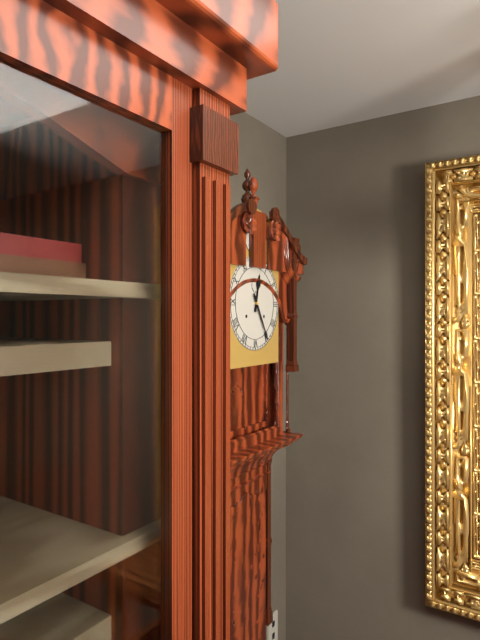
{"hour": 12, "minute": 25}
